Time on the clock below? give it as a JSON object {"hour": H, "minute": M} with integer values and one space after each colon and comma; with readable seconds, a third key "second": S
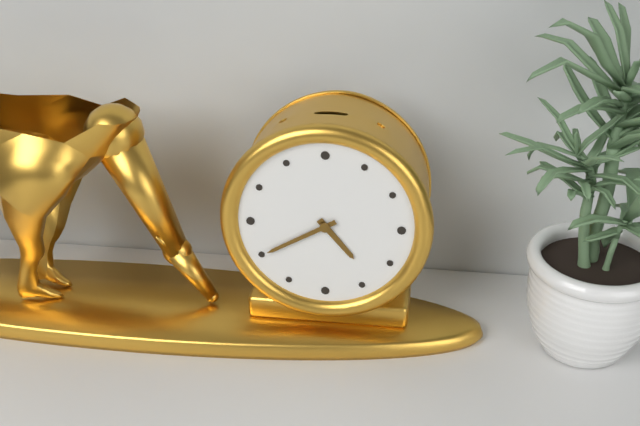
{"hour": 4, "minute": 40}
